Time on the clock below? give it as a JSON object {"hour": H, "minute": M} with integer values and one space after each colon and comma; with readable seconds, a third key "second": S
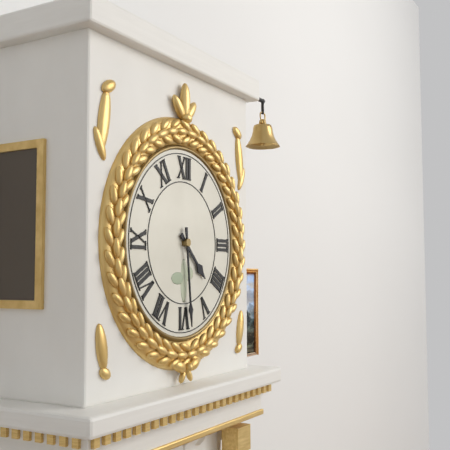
{"hour": 4, "minute": 29}
